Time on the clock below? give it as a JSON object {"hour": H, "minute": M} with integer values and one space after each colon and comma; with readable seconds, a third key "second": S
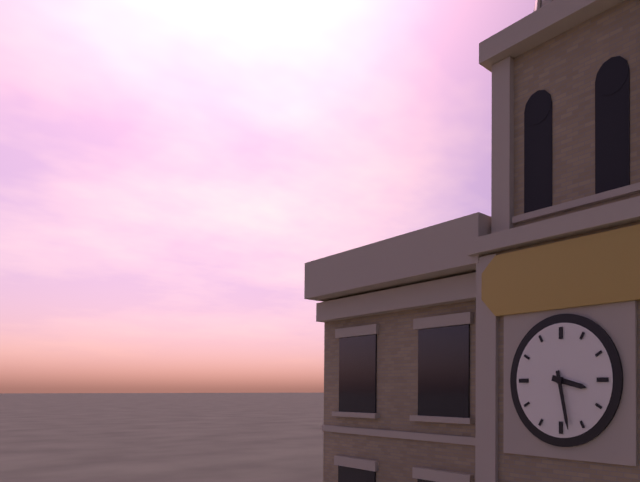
{"hour": 3, "minute": 28}
